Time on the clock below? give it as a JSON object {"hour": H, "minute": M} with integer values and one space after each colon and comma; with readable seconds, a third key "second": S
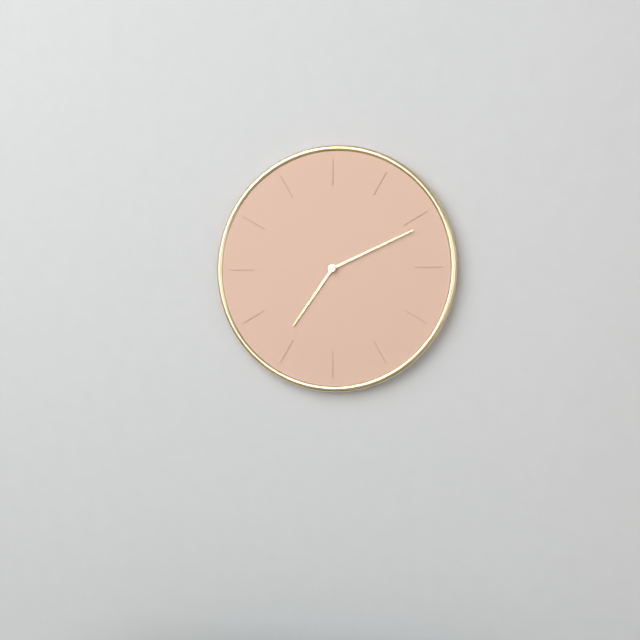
{"hour": 7, "minute": 11}
